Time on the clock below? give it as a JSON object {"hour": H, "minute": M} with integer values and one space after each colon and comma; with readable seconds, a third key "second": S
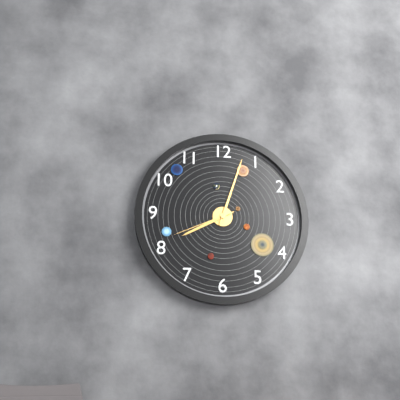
{"hour": 8, "minute": 3, "second": 41}
